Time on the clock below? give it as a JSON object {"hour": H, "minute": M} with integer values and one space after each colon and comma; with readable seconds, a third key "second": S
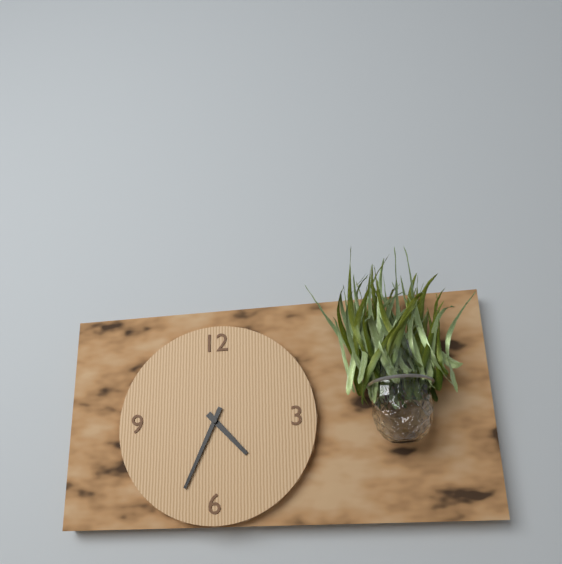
{"hour": 4, "minute": 34}
